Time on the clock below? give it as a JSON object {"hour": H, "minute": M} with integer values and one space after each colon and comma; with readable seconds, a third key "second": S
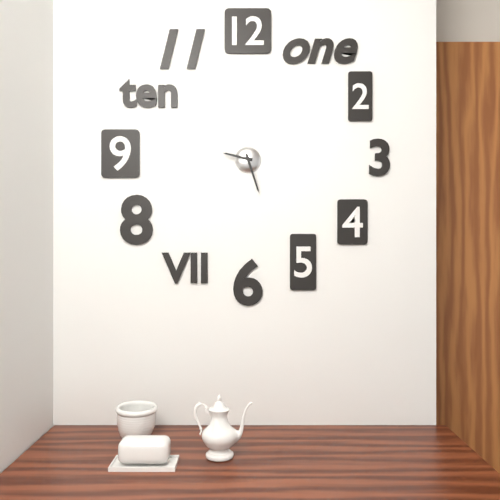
{"hour": 9, "minute": 27}
